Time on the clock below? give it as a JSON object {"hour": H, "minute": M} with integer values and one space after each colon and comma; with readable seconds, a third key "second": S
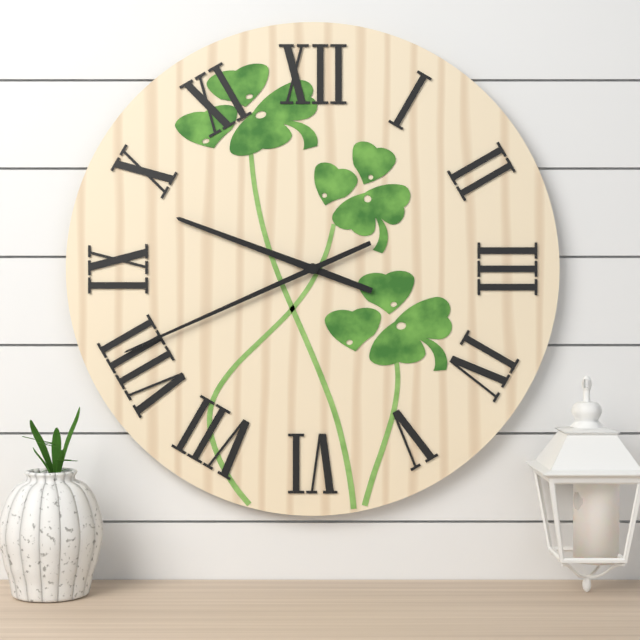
{"hour": 9, "minute": 41}
